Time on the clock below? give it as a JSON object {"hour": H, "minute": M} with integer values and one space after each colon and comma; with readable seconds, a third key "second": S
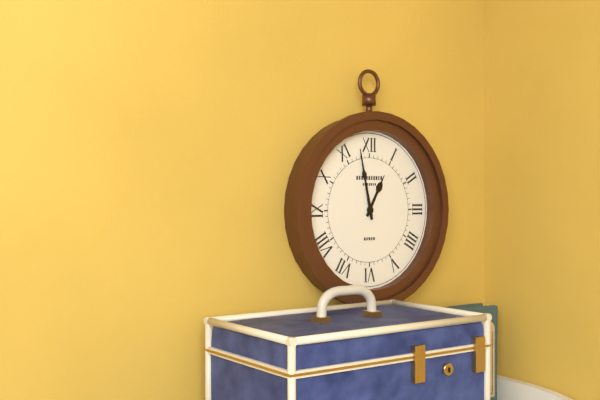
{"hour": 12, "minute": 58}
